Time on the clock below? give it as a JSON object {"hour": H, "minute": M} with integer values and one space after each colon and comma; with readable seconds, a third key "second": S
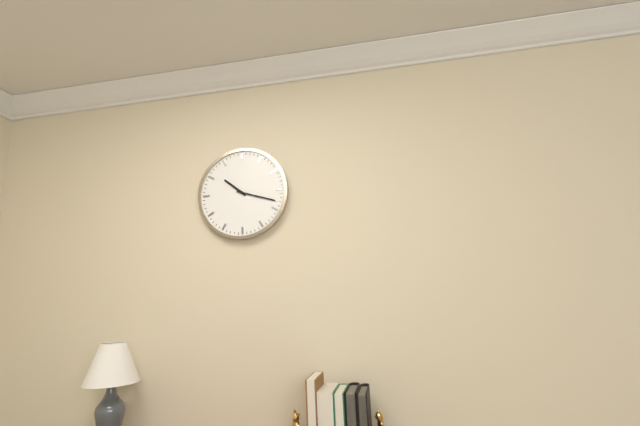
{"hour": 10, "minute": 18}
